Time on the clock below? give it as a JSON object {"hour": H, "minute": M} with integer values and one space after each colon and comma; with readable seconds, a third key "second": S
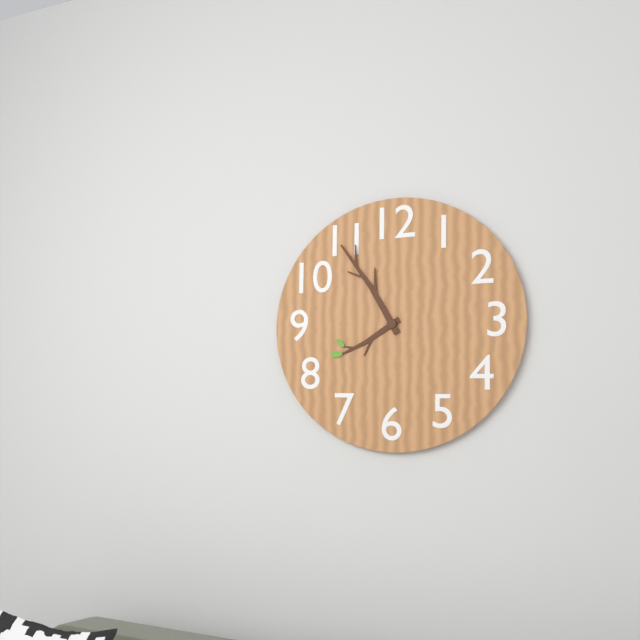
{"hour": 7, "minute": 55}
